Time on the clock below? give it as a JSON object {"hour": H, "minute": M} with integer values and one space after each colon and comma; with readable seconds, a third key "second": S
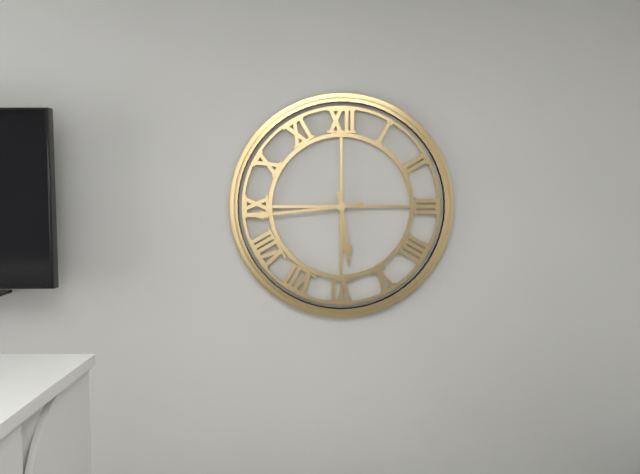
{"hour": 5, "minute": 44}
